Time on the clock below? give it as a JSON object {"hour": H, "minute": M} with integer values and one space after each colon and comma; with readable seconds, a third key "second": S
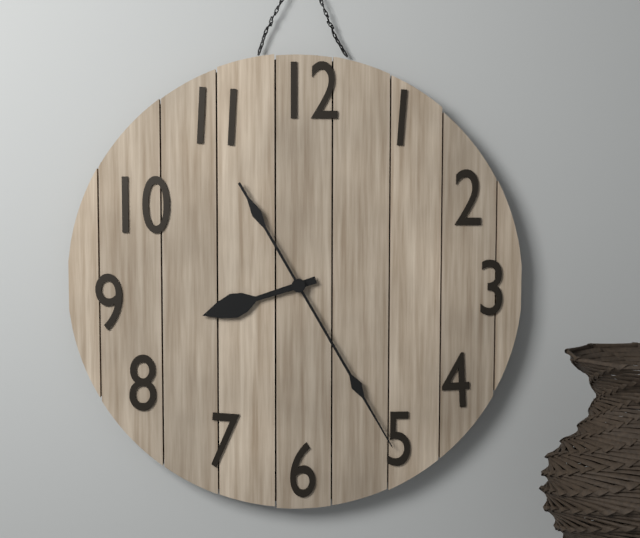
{"hour": 8, "minute": 25}
